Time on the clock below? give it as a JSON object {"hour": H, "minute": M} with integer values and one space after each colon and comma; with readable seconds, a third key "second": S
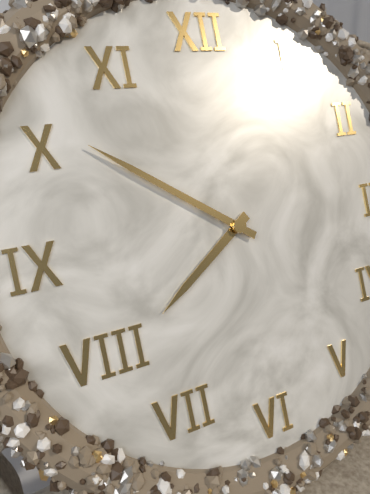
{"hour": 7, "minute": 51}
